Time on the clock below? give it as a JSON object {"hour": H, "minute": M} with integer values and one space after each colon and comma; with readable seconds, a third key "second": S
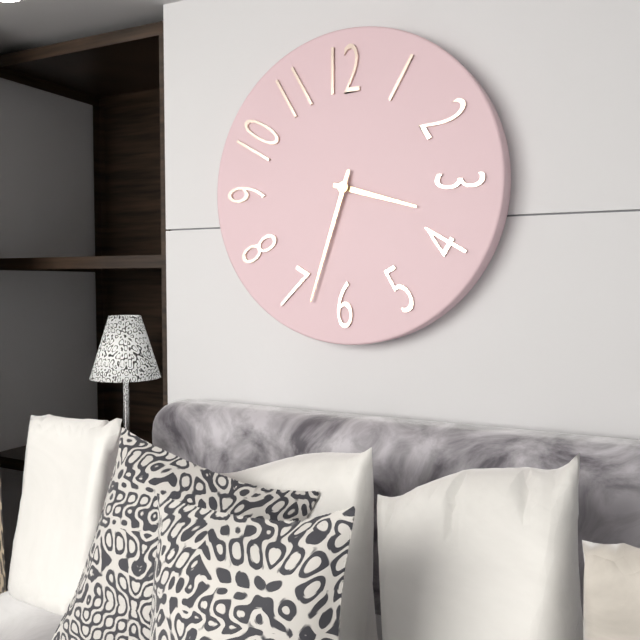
{"hour": 3, "minute": 33}
